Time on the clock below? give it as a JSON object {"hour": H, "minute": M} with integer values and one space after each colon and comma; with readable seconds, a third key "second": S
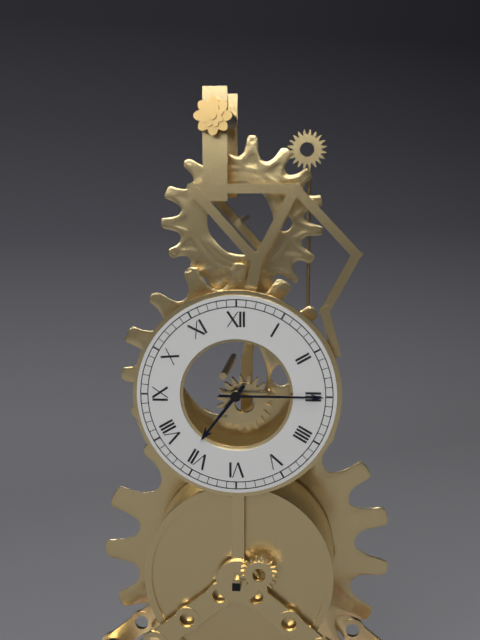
{"hour": 7, "minute": 15}
